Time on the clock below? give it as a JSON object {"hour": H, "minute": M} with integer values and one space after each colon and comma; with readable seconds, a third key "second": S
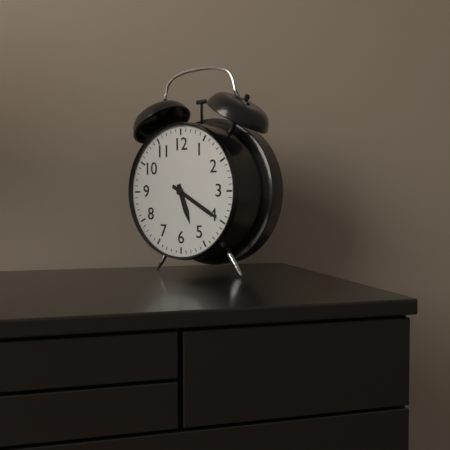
{"hour": 5, "minute": 20}
